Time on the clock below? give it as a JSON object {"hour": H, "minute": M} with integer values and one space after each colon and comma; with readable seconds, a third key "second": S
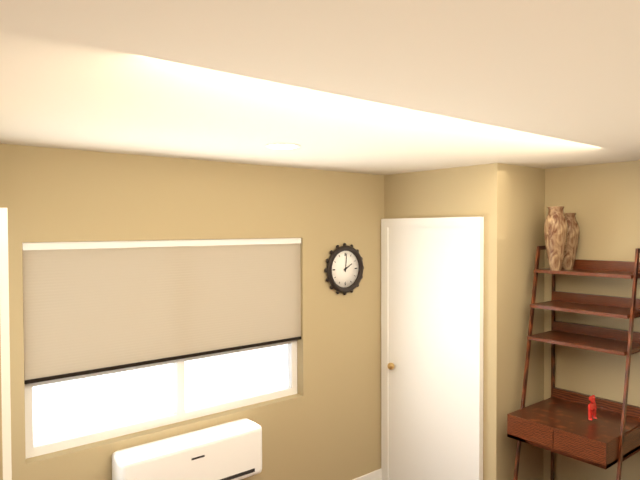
{"hour": 2, "minute": 1}
